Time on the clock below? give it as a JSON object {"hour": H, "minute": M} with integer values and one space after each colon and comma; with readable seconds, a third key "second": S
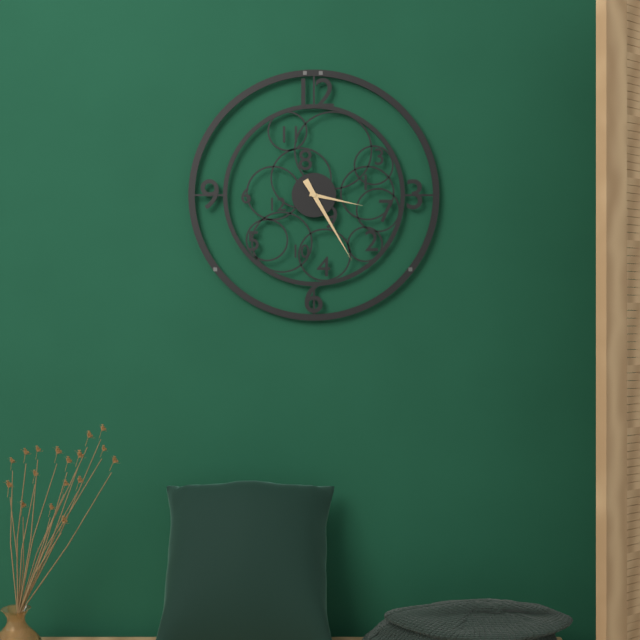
{"hour": 3, "minute": 25}
